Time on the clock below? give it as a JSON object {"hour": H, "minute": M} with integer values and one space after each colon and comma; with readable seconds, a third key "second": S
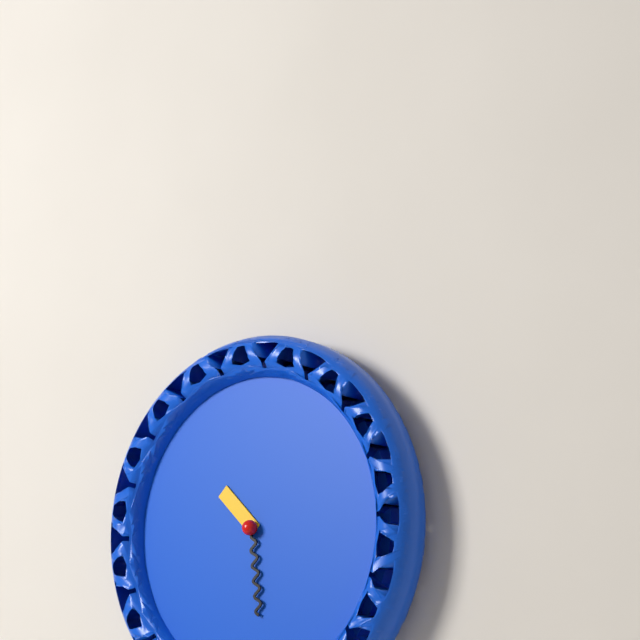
{"hour": 10, "minute": 29}
